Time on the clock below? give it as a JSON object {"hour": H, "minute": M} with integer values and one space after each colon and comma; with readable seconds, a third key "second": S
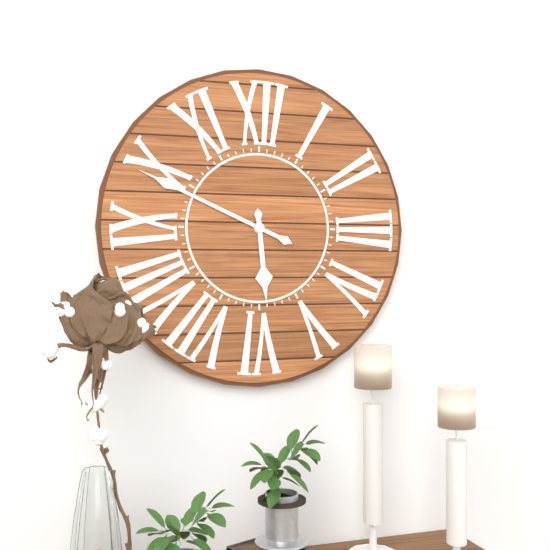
{"hour": 5, "minute": 49}
